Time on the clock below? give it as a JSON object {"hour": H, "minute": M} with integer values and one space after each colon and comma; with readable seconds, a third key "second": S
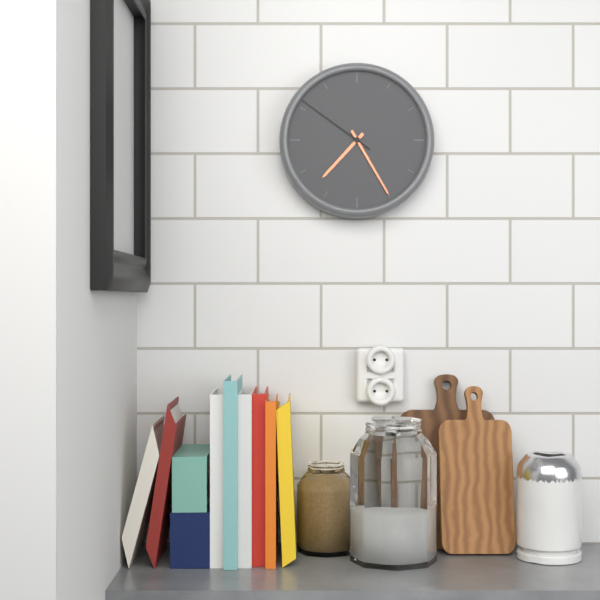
{"hour": 7, "minute": 25, "second": 51}
